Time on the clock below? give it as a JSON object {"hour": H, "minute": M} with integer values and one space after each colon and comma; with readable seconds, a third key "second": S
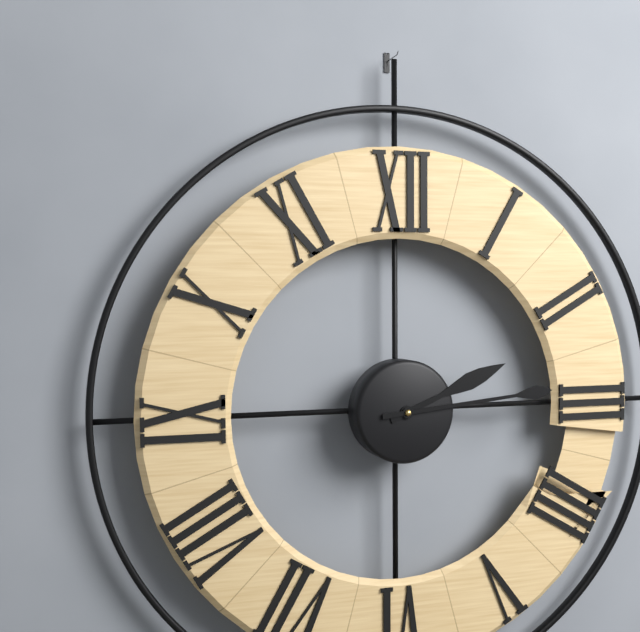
{"hour": 2, "minute": 14}
